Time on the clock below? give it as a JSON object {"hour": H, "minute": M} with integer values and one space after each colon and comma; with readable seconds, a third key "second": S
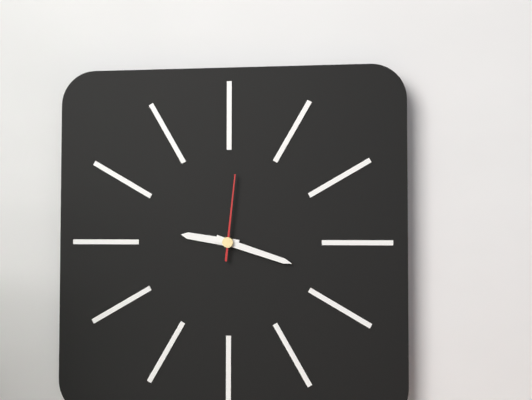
{"hour": 9, "minute": 18, "second": 1}
